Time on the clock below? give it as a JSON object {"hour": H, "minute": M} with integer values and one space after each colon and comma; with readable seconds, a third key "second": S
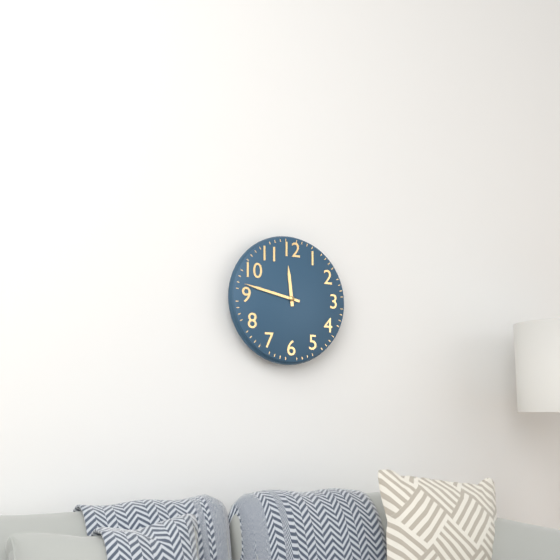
{"hour": 11, "minute": 47}
